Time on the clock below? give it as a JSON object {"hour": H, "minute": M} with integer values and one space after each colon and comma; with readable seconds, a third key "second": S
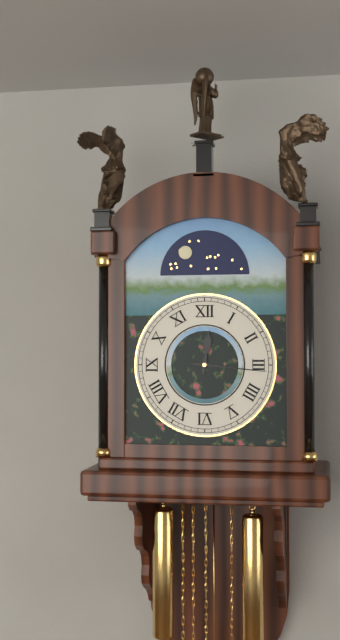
{"hour": 12, "minute": 16}
